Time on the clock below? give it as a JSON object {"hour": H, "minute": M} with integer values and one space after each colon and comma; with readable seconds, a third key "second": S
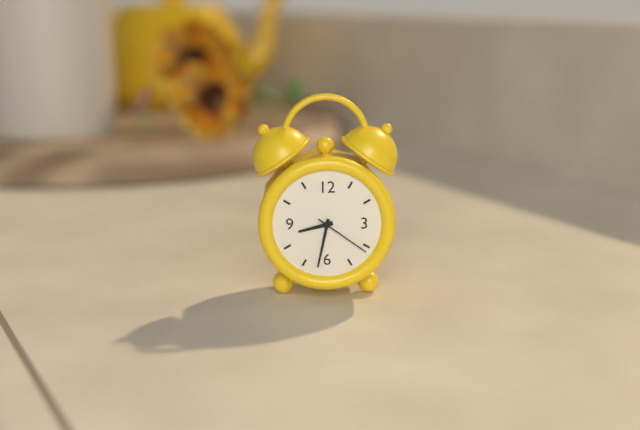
{"hour": 8, "minute": 32, "second": 21}
